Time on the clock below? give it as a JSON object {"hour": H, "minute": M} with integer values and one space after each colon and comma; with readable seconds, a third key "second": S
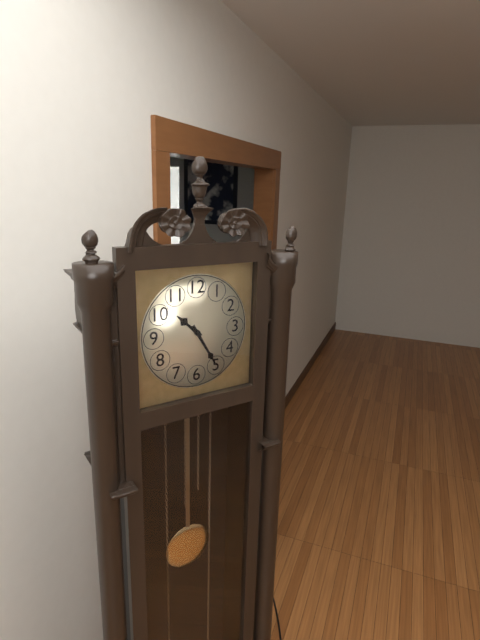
{"hour": 10, "minute": 25}
